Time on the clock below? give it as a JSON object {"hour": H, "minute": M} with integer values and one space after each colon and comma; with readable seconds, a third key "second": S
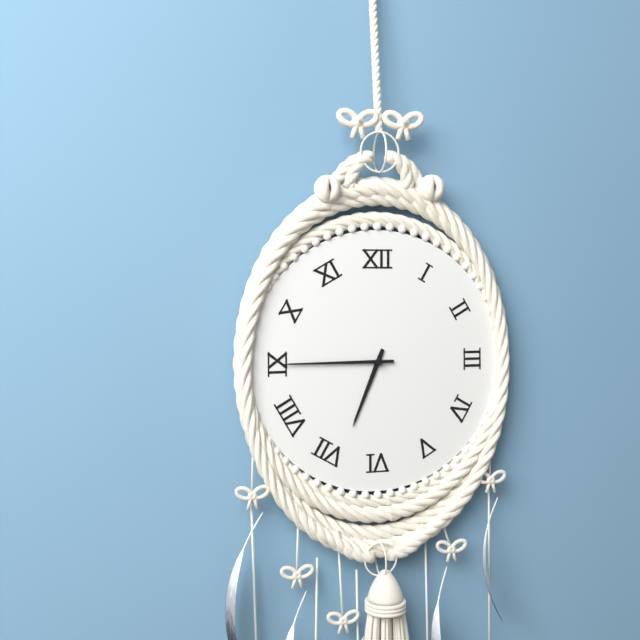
{"hour": 6, "minute": 45}
